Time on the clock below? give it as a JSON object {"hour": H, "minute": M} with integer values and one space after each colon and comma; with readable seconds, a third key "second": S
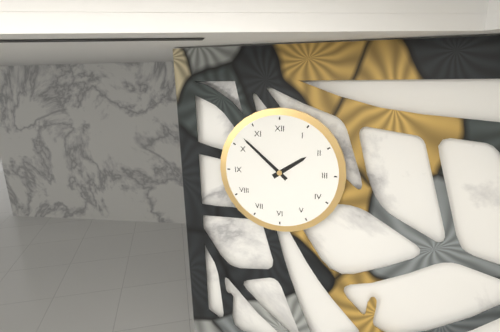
{"hour": 1, "minute": 52}
